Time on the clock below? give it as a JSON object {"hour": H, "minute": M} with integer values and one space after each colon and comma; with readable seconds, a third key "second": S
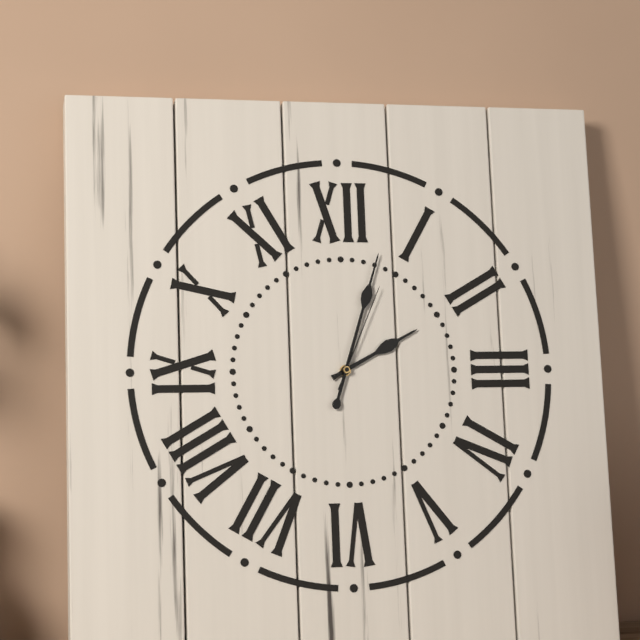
{"hour": 2, "minute": 3, "second": 4}
